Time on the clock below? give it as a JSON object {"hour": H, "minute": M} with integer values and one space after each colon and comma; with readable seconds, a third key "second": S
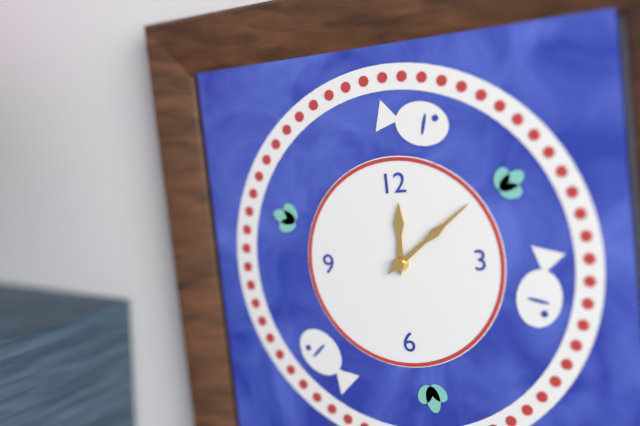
{"hour": 12, "minute": 9}
